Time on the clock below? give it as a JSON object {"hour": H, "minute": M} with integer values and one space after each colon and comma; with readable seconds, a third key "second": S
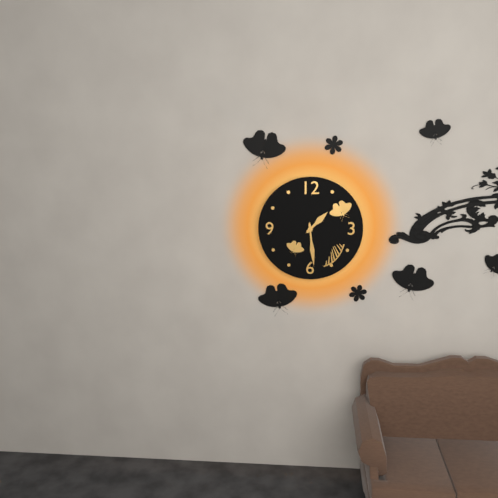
{"hour": 1, "minute": 29}
